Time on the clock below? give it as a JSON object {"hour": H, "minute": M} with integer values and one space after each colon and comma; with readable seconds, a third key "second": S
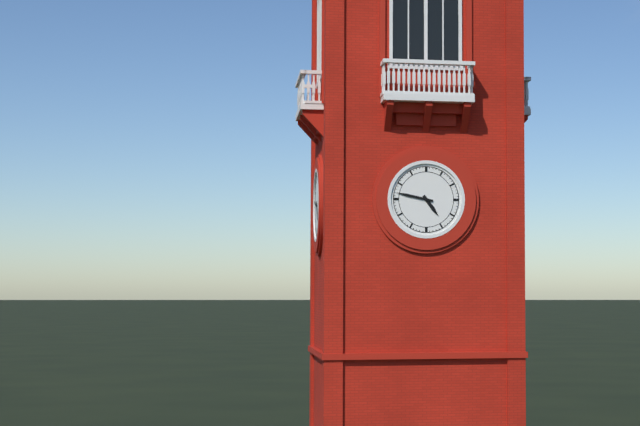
{"hour": 4, "minute": 47}
